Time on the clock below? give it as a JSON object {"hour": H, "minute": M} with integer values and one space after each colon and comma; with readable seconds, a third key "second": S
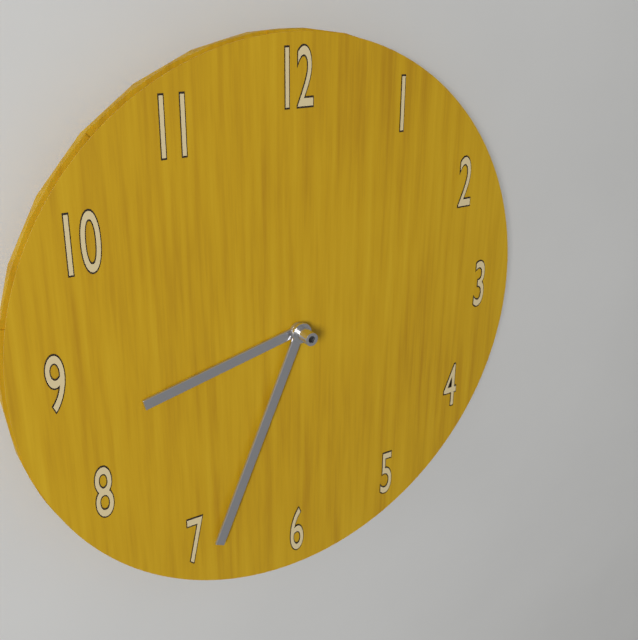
{"hour": 8, "minute": 34}
